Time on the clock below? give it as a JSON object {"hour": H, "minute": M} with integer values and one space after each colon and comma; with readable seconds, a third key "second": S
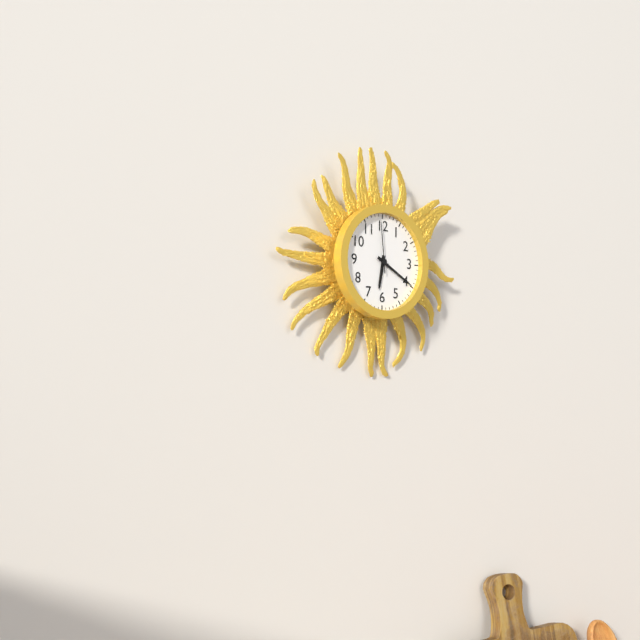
{"hour": 6, "minute": 20, "second": 59}
